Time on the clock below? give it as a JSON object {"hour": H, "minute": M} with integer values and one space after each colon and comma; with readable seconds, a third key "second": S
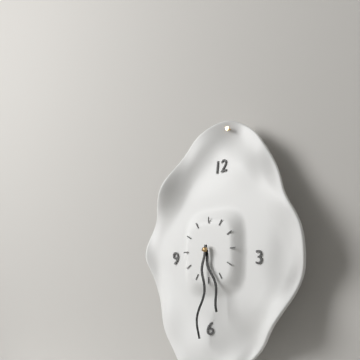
{"hour": 5, "minute": 31}
